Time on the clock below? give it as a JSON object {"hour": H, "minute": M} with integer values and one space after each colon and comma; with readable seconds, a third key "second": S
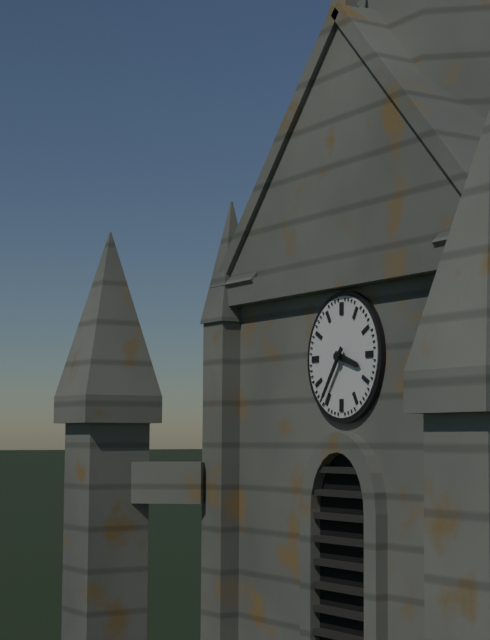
{"hour": 3, "minute": 36}
